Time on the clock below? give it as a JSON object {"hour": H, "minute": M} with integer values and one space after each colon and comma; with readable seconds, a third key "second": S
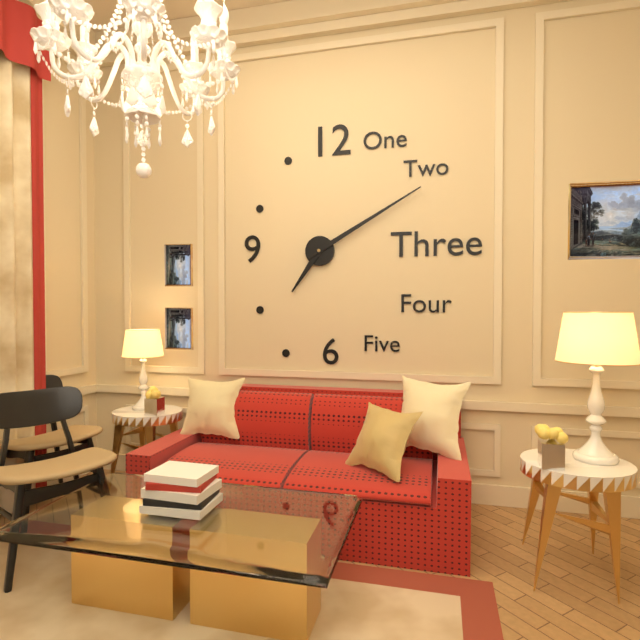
{"hour": 7, "minute": 10}
